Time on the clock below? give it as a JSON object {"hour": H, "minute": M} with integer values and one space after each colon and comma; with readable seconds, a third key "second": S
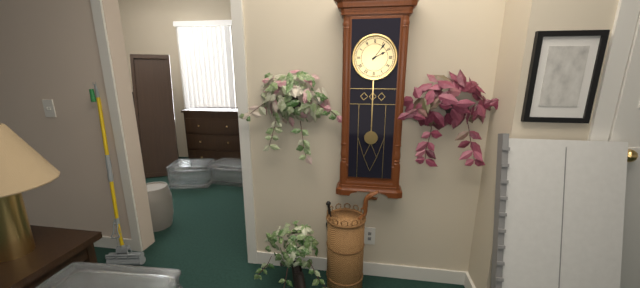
{"hour": 2, "minute": 6}
